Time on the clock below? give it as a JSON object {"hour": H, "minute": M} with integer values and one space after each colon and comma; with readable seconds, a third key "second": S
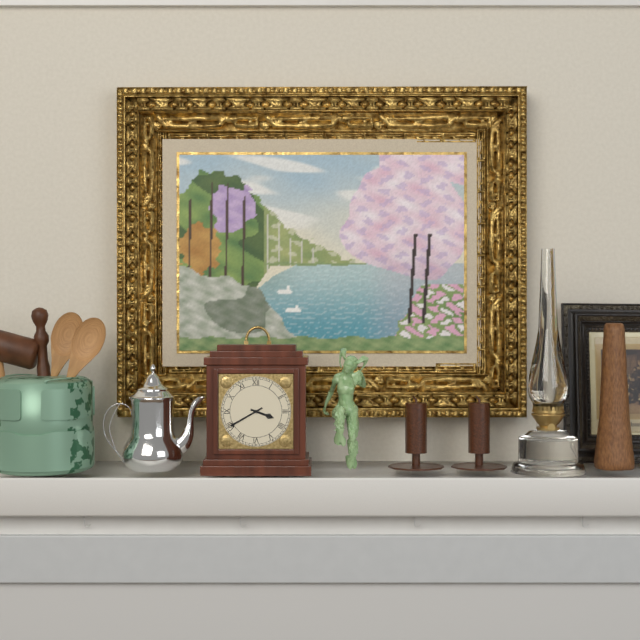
{"hour": 3, "minute": 40}
